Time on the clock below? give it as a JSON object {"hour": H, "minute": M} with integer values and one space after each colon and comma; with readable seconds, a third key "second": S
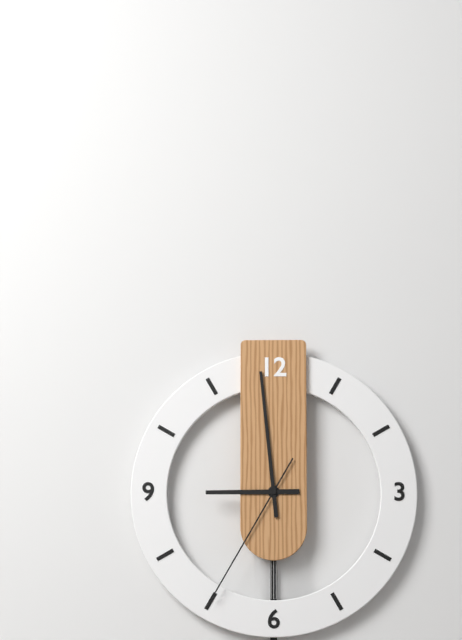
{"hour": 8, "minute": 59, "second": 35}
